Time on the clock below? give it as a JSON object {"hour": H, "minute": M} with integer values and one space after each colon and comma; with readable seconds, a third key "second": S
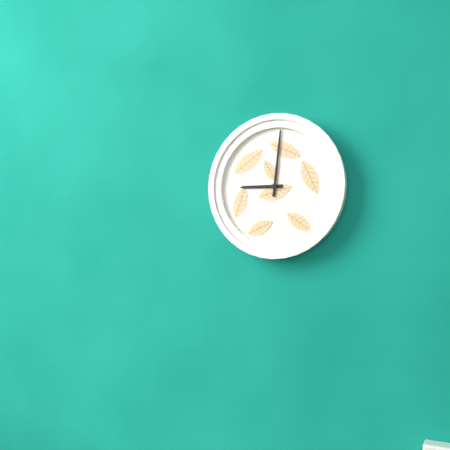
{"hour": 9, "minute": 1}
